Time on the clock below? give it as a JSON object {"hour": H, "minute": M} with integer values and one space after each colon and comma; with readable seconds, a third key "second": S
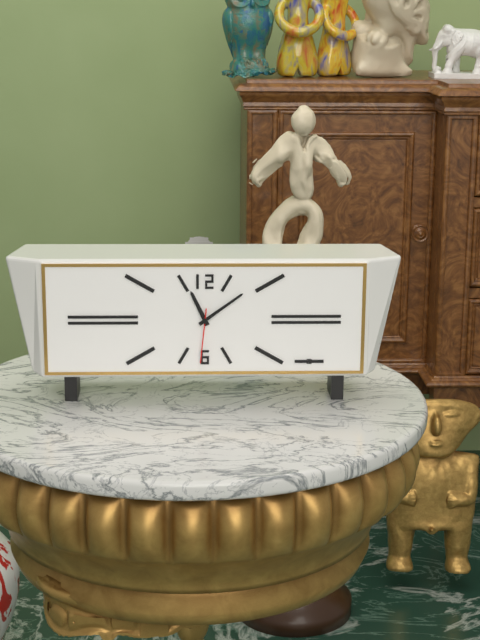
{"hour": 11, "minute": 9, "second": 31}
